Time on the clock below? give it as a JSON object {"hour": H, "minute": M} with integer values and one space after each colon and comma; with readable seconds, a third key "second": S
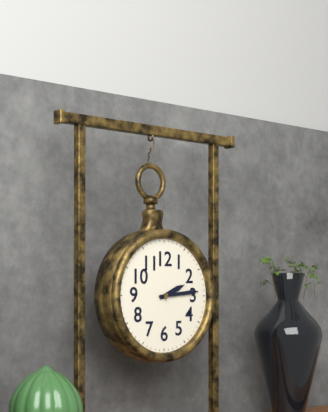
{"hour": 2, "minute": 14}
